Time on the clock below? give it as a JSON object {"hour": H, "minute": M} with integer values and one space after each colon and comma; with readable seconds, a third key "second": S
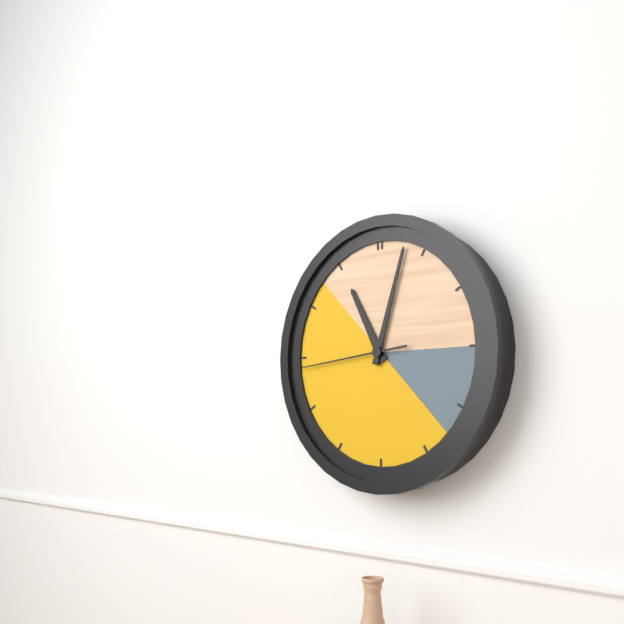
{"hour": 11, "minute": 3, "second": 44}
